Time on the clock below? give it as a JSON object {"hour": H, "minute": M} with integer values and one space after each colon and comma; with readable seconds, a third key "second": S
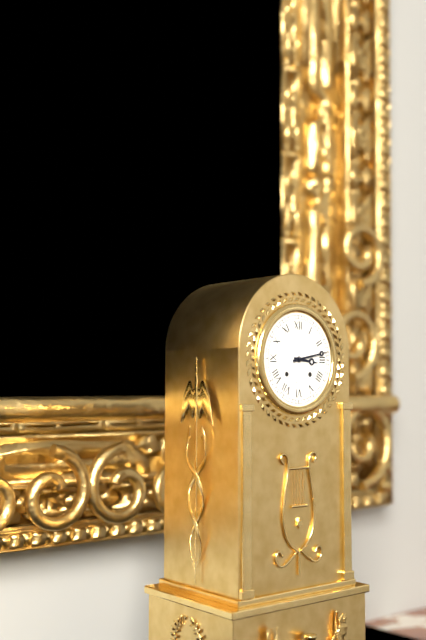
{"hour": 3, "minute": 13}
